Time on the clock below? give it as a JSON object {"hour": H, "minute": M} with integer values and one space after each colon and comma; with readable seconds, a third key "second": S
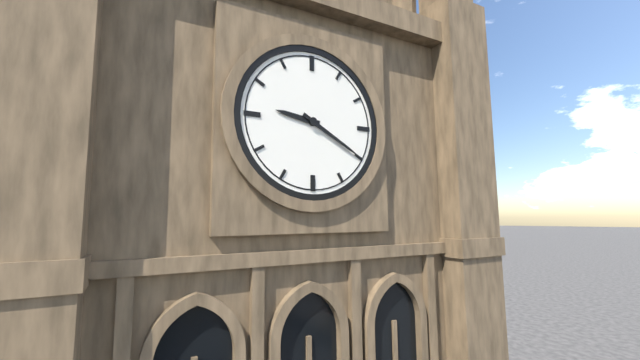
{"hour": 9, "minute": 20}
